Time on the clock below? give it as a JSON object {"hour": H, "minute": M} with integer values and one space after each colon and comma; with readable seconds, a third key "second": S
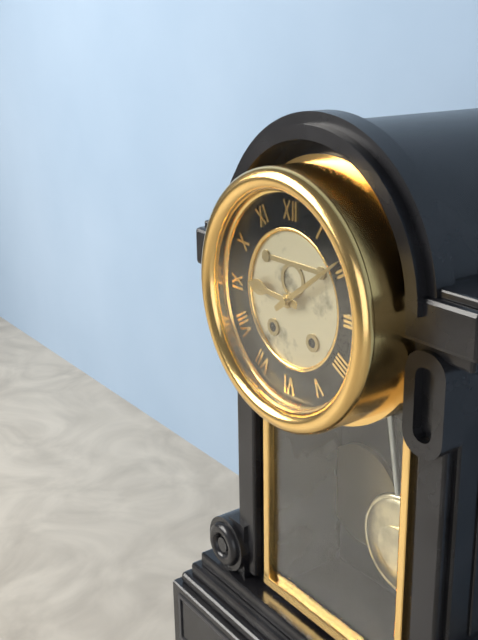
{"hour": 9, "minute": 9}
